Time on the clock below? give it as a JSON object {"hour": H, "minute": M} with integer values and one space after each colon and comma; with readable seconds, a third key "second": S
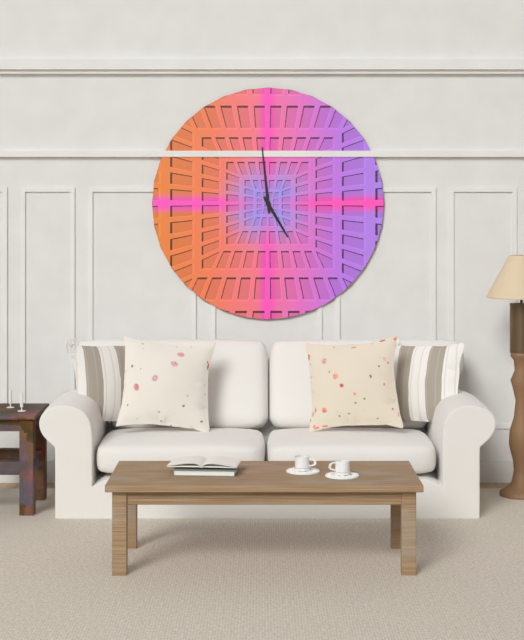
{"hour": 4, "minute": 59}
